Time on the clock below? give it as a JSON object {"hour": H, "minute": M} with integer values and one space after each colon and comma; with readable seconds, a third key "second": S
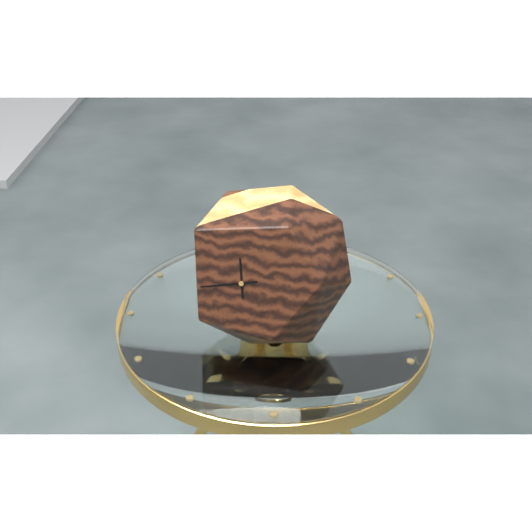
{"hour": 11, "minute": 43}
